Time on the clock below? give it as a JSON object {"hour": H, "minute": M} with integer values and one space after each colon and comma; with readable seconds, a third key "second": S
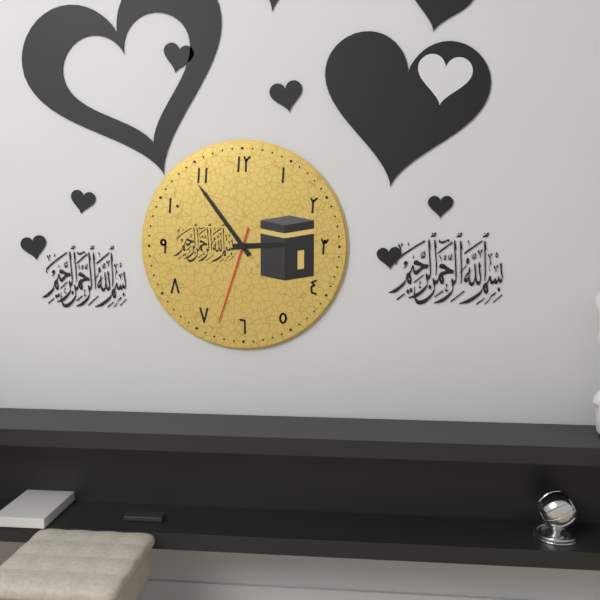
{"hour": 2, "minute": 54, "second": 33}
